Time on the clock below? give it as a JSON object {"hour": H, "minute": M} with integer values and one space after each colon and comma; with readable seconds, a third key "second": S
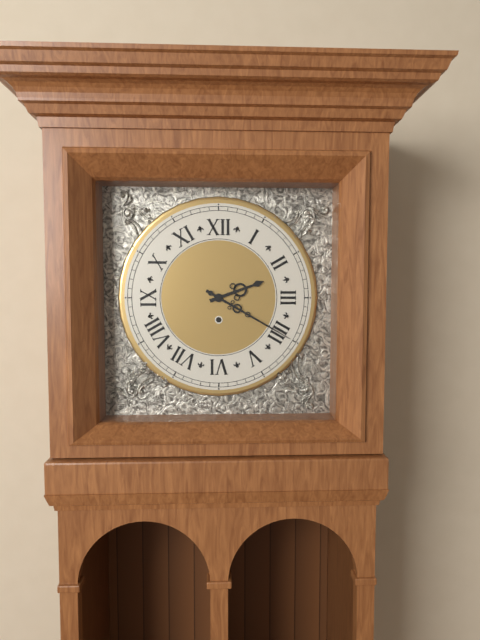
{"hour": 2, "minute": 20}
